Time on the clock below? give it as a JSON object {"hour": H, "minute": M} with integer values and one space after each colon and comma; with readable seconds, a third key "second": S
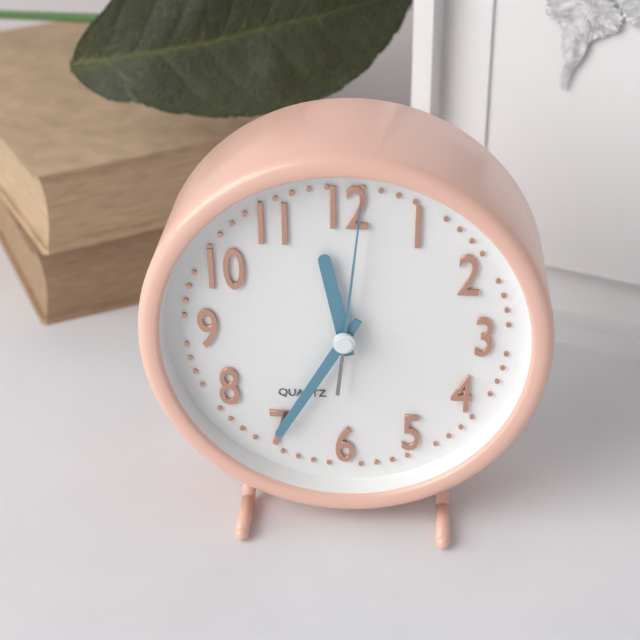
{"hour": 11, "minute": 35, "second": 1}
